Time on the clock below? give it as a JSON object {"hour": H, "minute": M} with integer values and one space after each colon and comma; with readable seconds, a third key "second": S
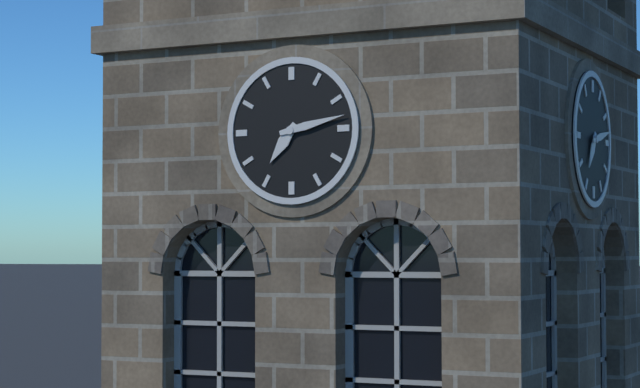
{"hour": 7, "minute": 13}
